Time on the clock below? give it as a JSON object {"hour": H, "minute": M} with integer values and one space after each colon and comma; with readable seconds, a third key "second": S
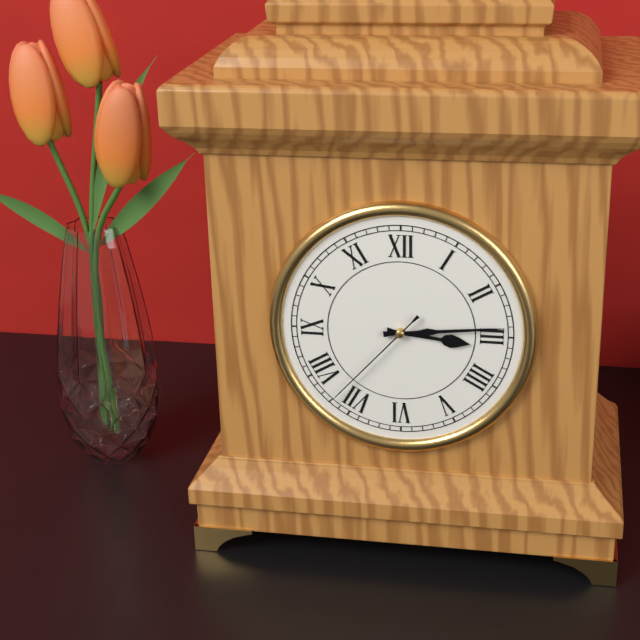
{"hour": 3, "minute": 14, "second": 37}
